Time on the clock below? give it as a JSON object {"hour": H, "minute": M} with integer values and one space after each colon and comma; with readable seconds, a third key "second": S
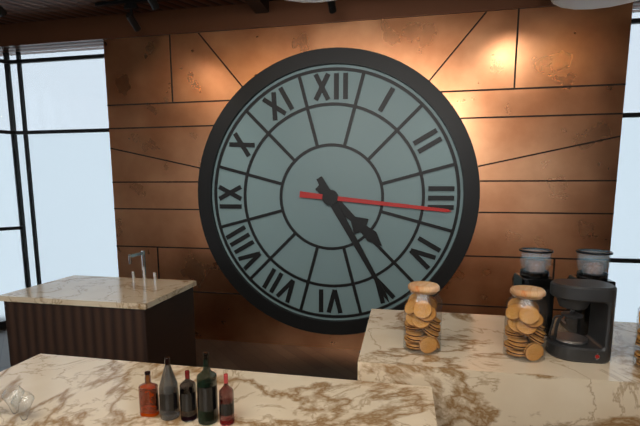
{"hour": 4, "minute": 25, "second": 16}
